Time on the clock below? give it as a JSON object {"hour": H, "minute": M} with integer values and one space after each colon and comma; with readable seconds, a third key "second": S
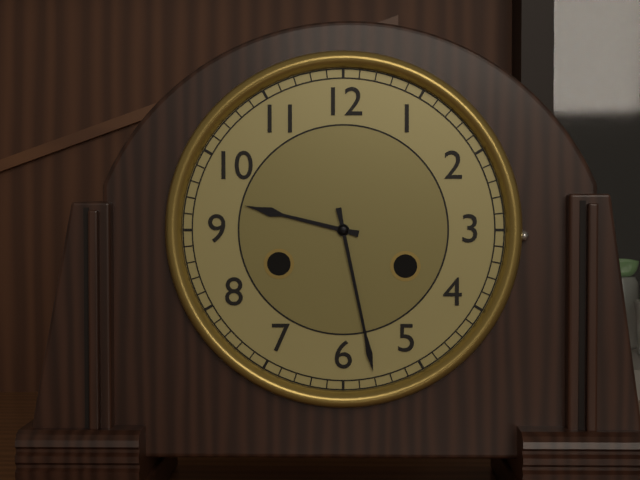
{"hour": 9, "minute": 28}
